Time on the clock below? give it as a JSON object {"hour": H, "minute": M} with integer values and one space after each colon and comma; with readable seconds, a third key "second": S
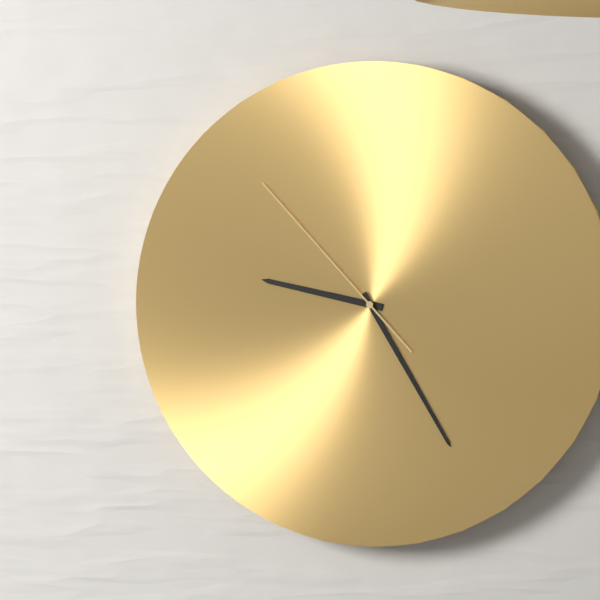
{"hour": 9, "minute": 25, "second": 53}
